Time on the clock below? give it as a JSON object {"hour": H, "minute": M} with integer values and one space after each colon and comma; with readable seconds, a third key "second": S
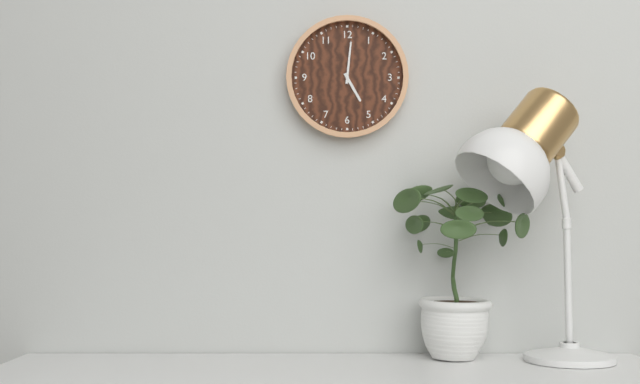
{"hour": 5, "minute": 1}
